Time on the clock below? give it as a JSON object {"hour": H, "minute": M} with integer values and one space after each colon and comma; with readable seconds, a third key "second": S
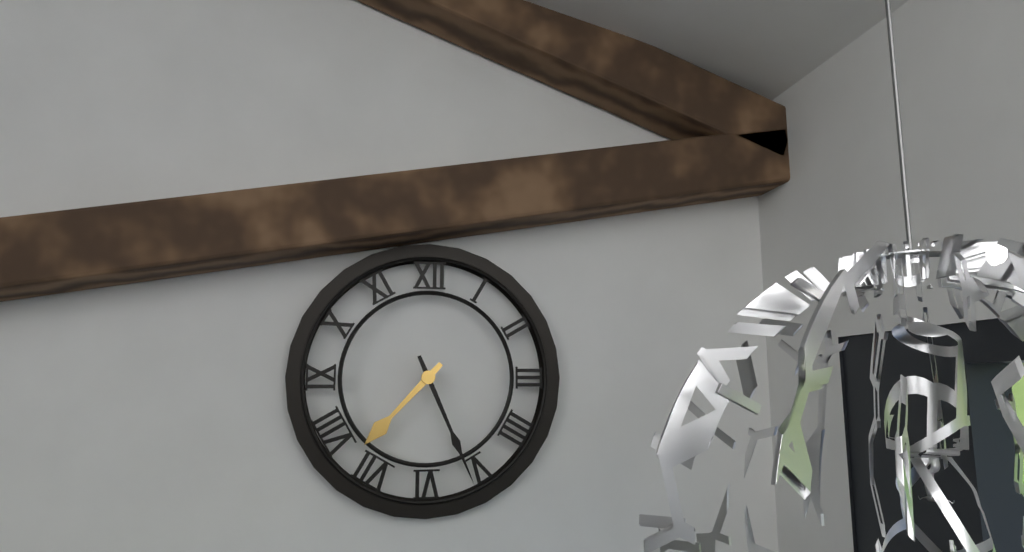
{"hour": 7, "minute": 26}
